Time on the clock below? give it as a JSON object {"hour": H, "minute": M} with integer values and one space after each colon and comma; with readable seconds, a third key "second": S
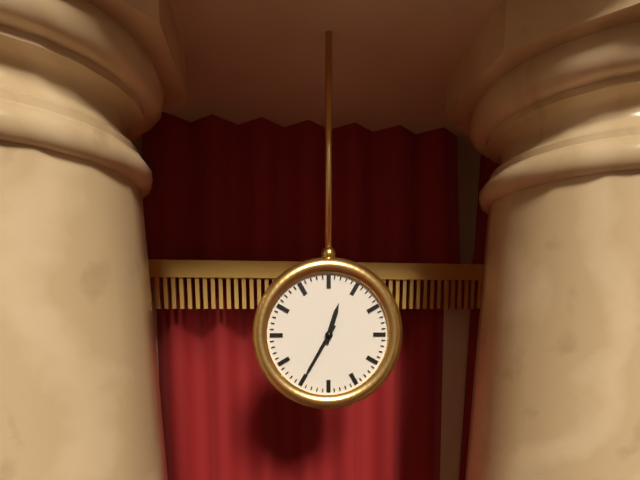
{"hour": 12, "minute": 35}
